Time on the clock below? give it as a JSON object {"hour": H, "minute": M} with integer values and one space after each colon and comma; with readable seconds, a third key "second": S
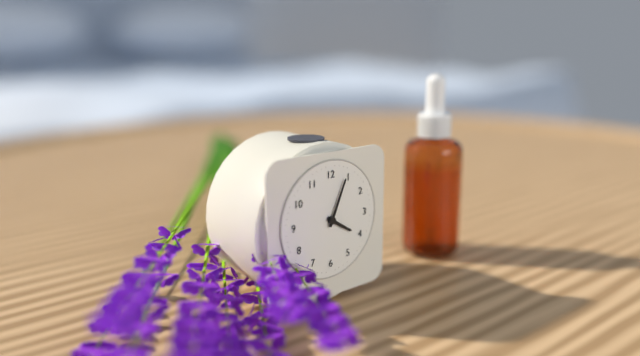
{"hour": 4, "minute": 4}
